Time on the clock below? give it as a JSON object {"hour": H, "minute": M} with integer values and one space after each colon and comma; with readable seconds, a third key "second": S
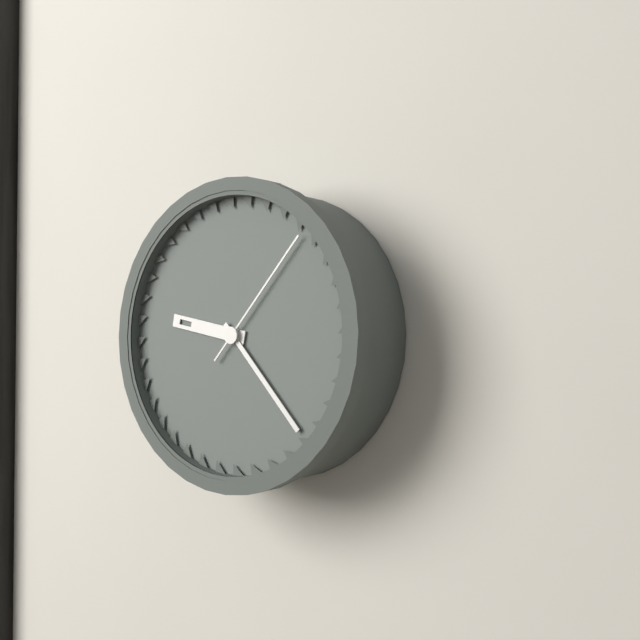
{"hour": 9, "minute": 23, "second": 7}
